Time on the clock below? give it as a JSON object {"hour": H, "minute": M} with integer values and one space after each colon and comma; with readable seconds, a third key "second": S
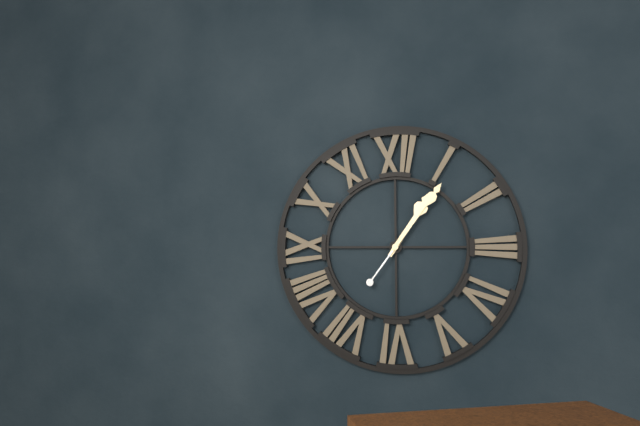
{"hour": 1, "minute": 6}
